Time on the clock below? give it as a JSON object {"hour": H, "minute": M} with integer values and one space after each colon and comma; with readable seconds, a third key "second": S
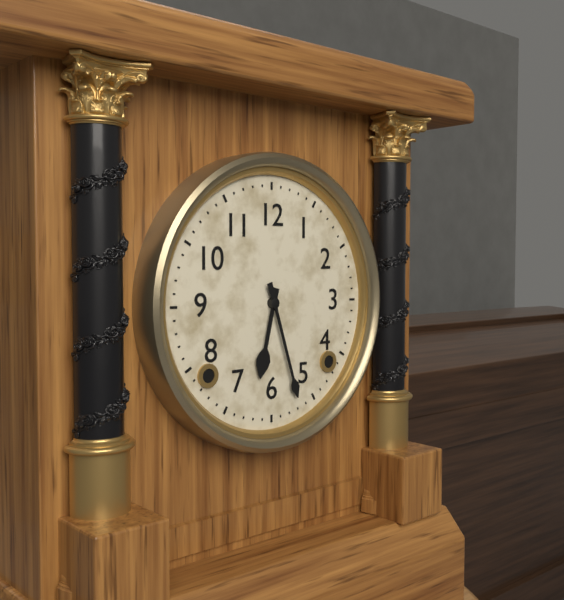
{"hour": 6, "minute": 27}
